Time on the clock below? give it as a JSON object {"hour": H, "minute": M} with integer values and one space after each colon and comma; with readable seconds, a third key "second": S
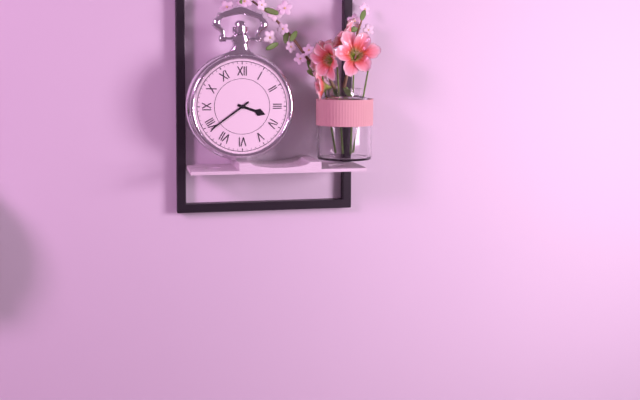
{"hour": 3, "minute": 39}
